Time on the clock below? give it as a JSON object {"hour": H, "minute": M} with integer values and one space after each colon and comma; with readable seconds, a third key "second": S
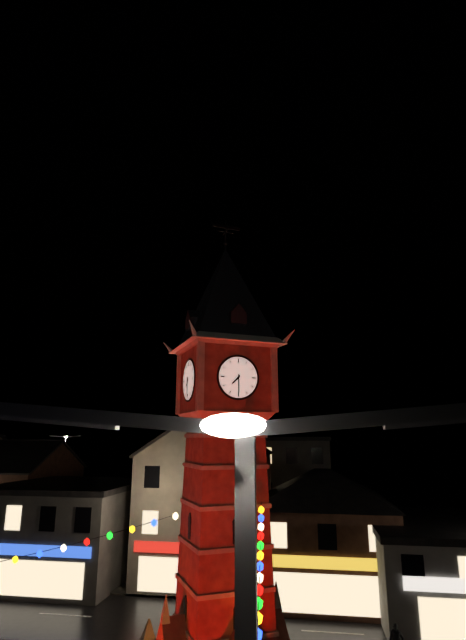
{"hour": 7, "minute": 30}
